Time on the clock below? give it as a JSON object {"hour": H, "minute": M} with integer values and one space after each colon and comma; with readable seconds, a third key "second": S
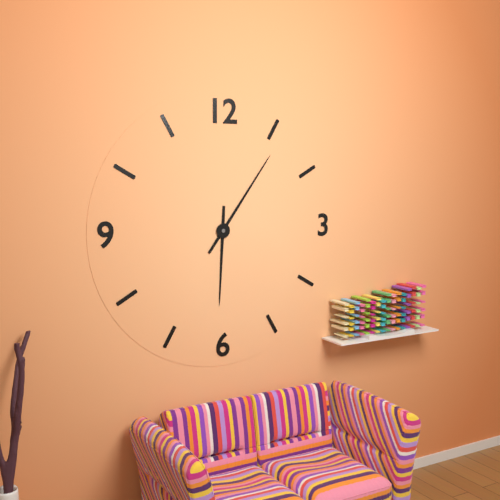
{"hour": 6, "minute": 6}
